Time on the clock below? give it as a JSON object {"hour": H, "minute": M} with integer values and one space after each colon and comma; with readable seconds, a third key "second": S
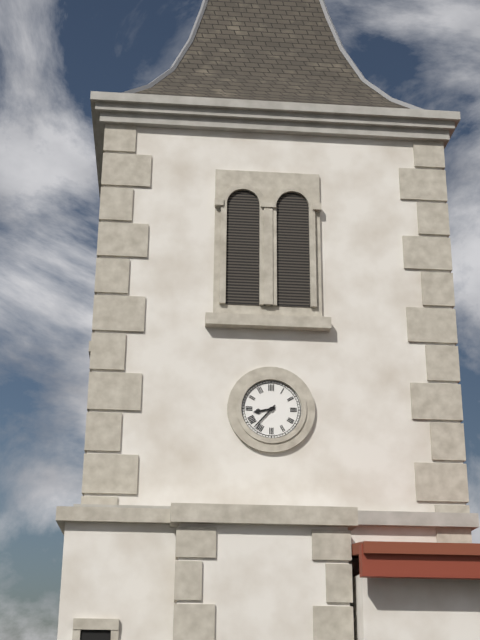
{"hour": 8, "minute": 37}
